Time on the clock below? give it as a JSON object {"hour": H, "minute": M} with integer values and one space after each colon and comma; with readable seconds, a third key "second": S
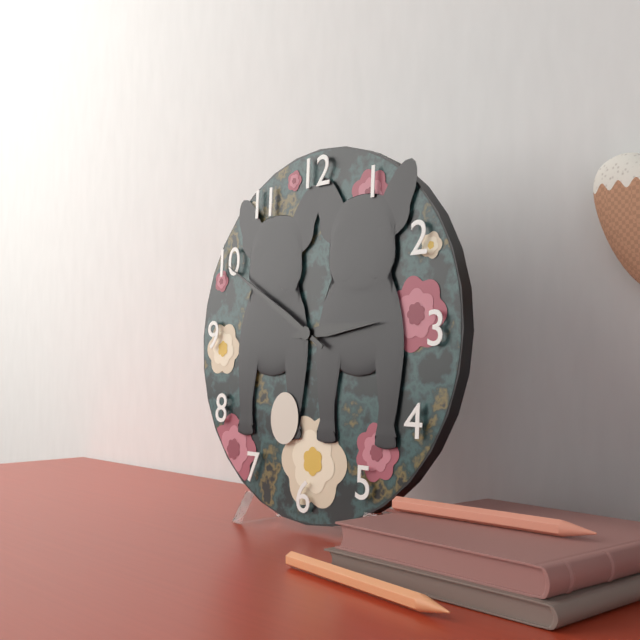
{"hour": 2, "minute": 50}
